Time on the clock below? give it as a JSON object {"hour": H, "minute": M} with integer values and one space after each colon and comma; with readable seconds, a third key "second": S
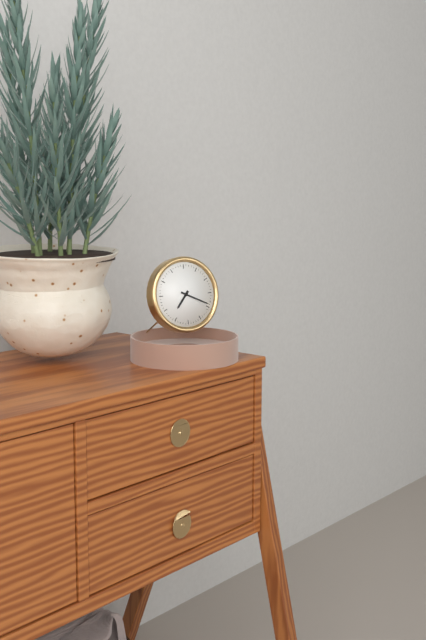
{"hour": 7, "minute": 19}
